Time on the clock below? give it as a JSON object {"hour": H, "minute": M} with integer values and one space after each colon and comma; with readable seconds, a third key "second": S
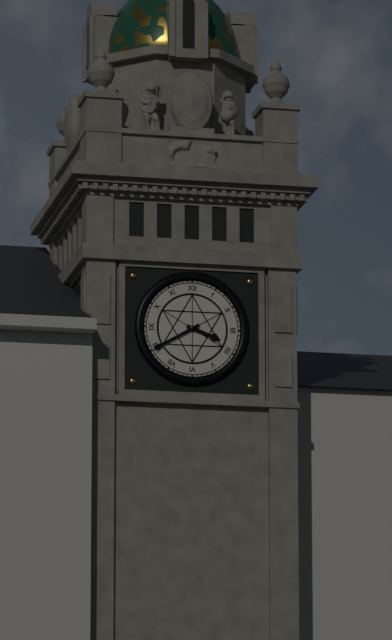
{"hour": 3, "minute": 40}
